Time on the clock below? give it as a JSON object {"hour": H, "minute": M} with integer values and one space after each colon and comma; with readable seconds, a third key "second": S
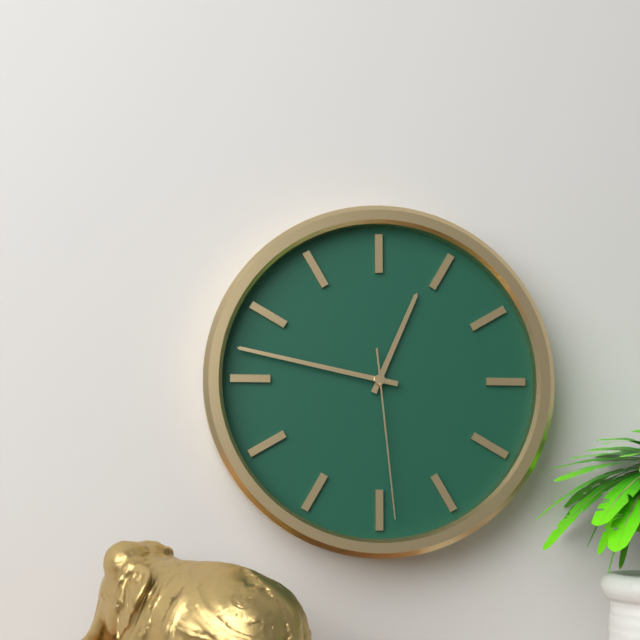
{"hour": 12, "minute": 47, "second": 29}
